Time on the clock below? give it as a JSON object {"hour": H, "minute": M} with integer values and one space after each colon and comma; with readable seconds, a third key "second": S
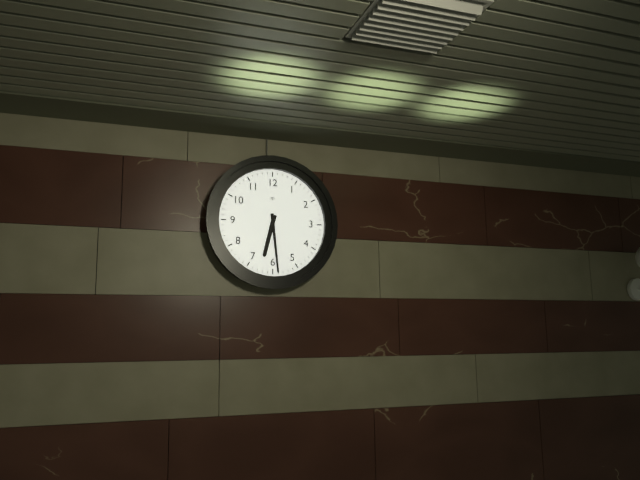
{"hour": 6, "minute": 29}
